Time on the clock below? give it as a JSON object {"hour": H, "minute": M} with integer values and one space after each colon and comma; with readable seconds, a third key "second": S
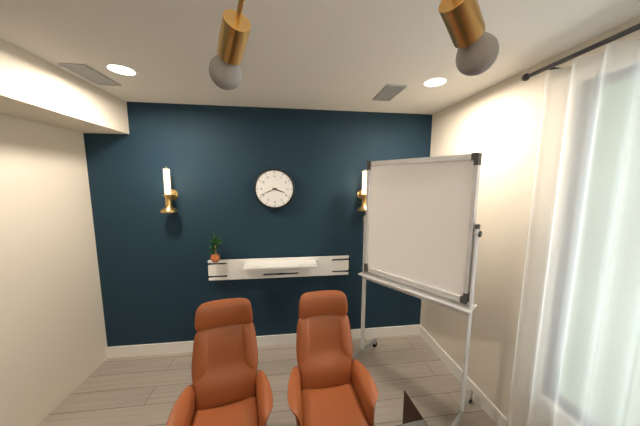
{"hour": 3, "minute": 41}
